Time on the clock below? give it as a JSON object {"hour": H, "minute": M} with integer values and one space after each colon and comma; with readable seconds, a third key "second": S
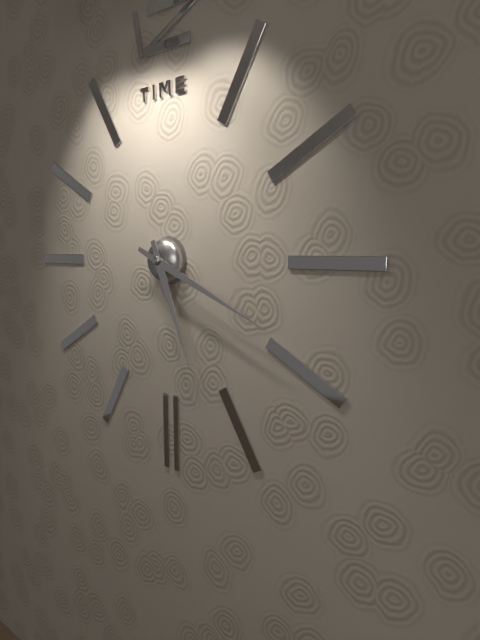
{"hour": 5, "minute": 19}
